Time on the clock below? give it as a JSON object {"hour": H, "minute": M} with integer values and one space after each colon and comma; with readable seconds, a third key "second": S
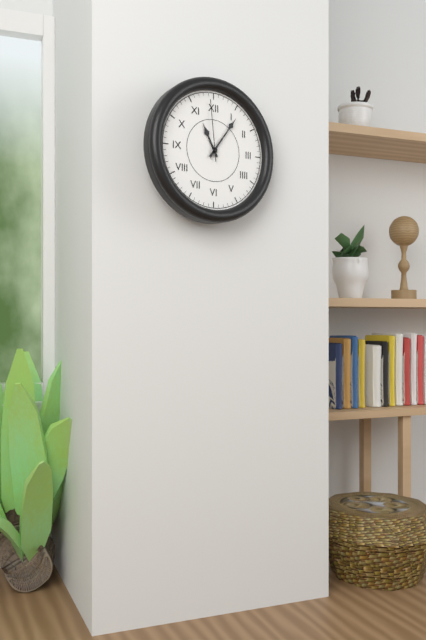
{"hour": 11, "minute": 6, "second": 59}
